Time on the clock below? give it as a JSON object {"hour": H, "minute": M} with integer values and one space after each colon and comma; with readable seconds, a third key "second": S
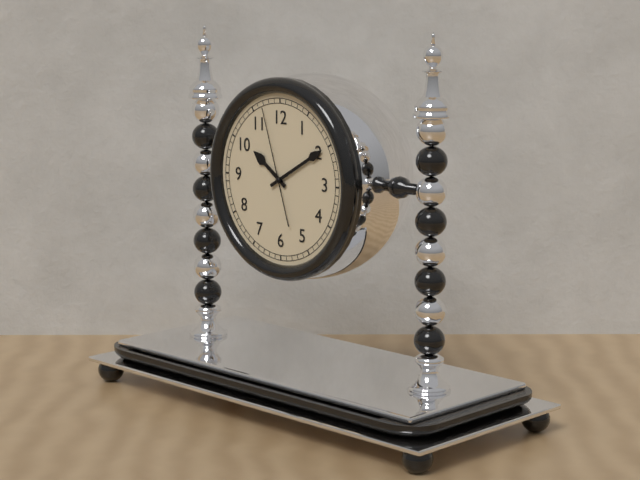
{"hour": 10, "minute": 10, "second": 57}
